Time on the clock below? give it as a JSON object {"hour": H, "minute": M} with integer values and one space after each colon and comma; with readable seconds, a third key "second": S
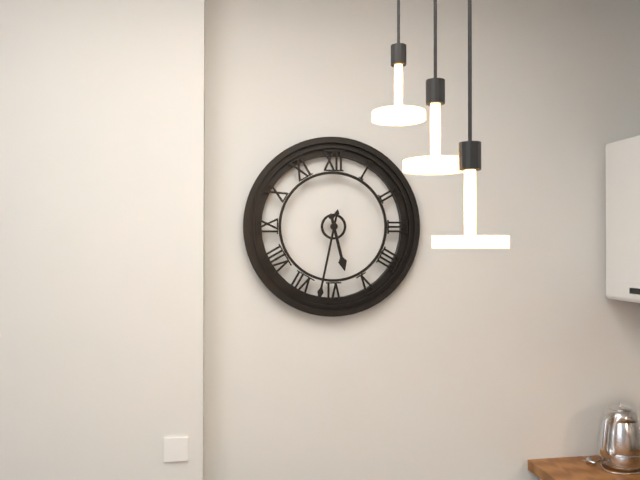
{"hour": 5, "minute": 32}
